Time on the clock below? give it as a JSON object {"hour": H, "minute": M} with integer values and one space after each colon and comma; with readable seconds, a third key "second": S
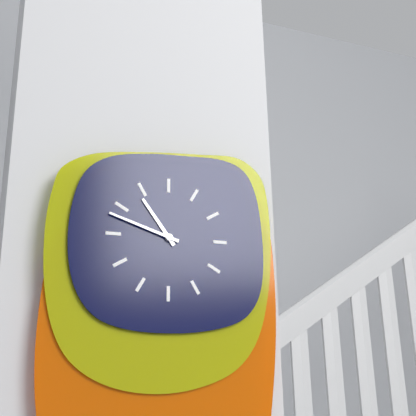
{"hour": 10, "minute": 48}
